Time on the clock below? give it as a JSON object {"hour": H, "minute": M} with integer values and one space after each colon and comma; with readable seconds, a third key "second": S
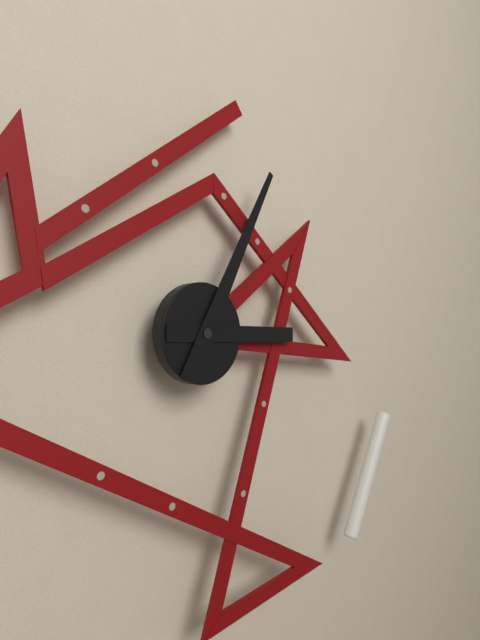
{"hour": 3, "minute": 5}
